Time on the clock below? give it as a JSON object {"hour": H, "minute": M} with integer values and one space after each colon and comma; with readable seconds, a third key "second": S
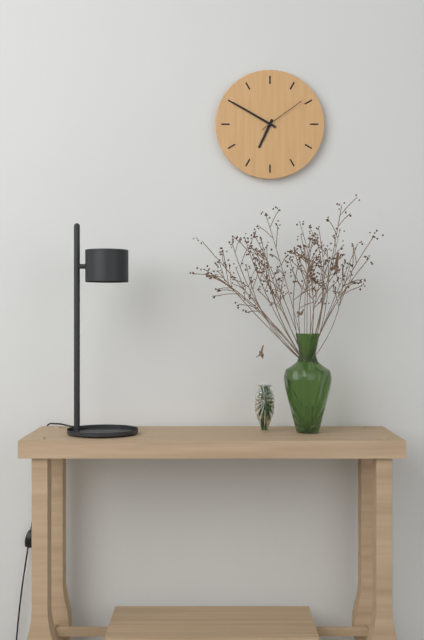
{"hour": 6, "minute": 50, "second": 9}
